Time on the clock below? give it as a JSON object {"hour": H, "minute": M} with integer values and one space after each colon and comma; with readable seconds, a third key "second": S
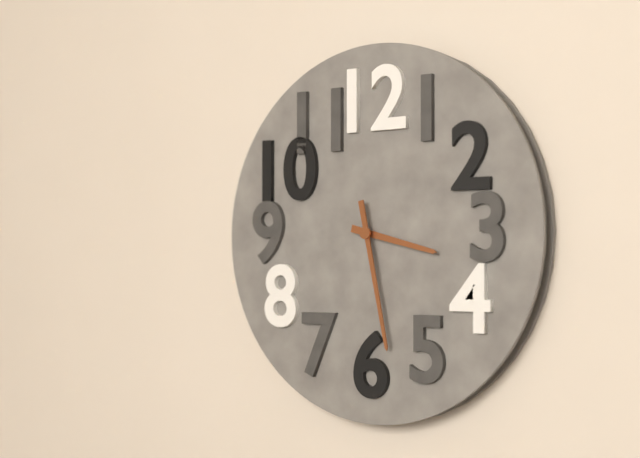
{"hour": 3, "minute": 28}
